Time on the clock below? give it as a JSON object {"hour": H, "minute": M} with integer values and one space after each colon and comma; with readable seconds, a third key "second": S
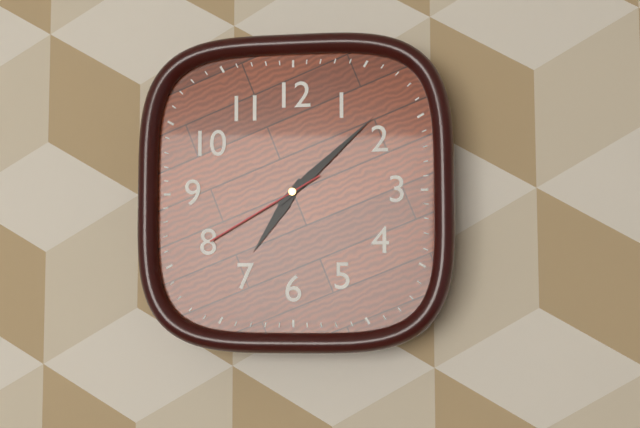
{"hour": 7, "minute": 8, "second": 40}
